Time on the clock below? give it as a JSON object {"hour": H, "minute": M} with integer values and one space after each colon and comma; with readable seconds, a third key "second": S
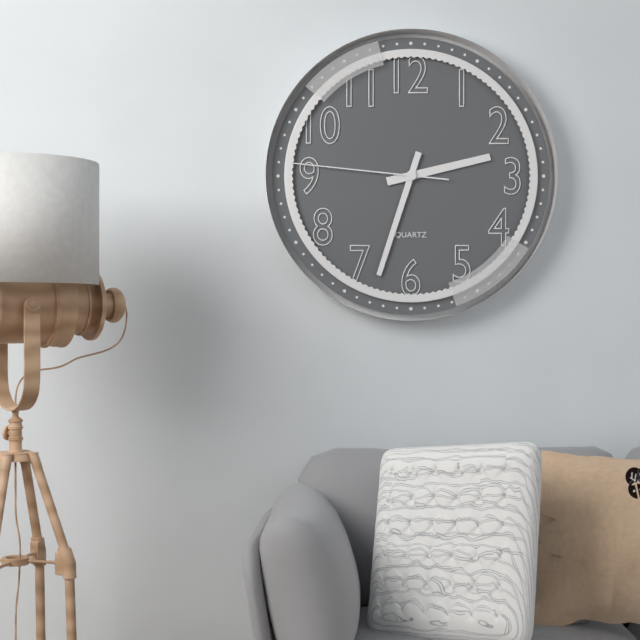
{"hour": 2, "minute": 33, "second": 46}
